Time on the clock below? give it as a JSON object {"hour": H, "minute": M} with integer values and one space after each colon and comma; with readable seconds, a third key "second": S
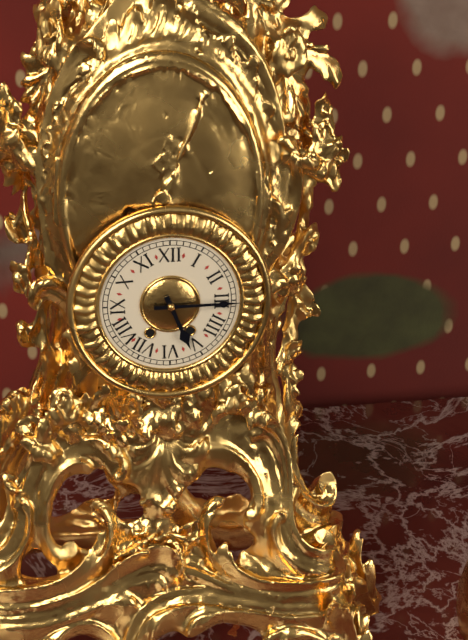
{"hour": 5, "minute": 15}
